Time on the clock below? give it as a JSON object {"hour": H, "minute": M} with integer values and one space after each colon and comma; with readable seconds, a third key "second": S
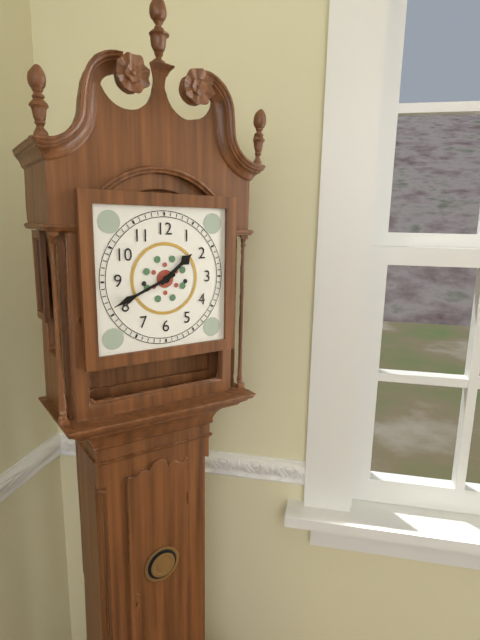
{"hour": 1, "minute": 41}
